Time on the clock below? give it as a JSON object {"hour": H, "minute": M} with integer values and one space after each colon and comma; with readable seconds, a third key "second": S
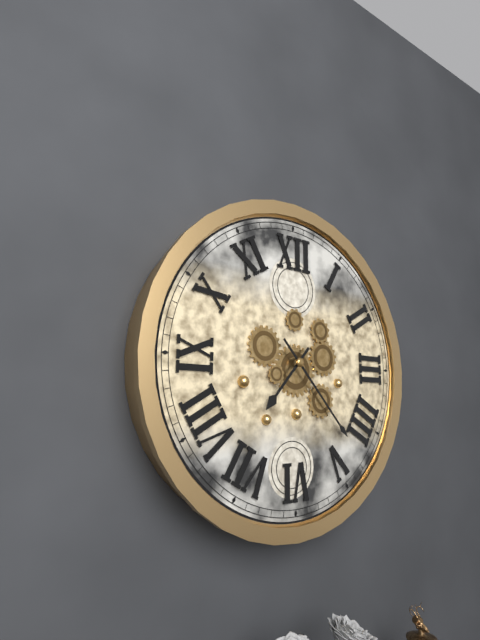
{"hour": 7, "minute": 23}
